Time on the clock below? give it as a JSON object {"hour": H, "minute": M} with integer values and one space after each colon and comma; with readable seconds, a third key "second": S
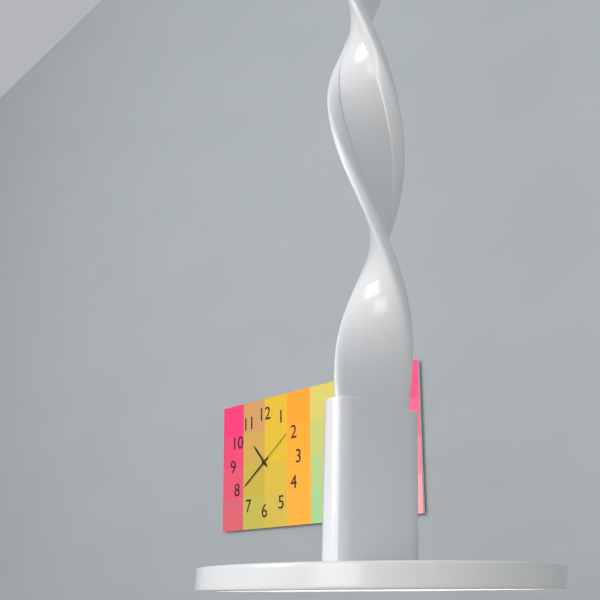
{"hour": 10, "minute": 39}
